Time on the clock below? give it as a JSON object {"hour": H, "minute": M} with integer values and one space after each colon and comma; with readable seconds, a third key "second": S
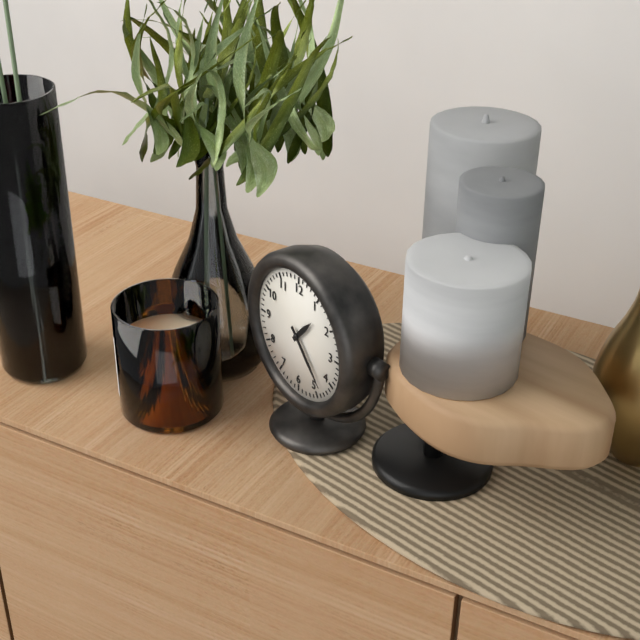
{"hour": 1, "minute": 23}
